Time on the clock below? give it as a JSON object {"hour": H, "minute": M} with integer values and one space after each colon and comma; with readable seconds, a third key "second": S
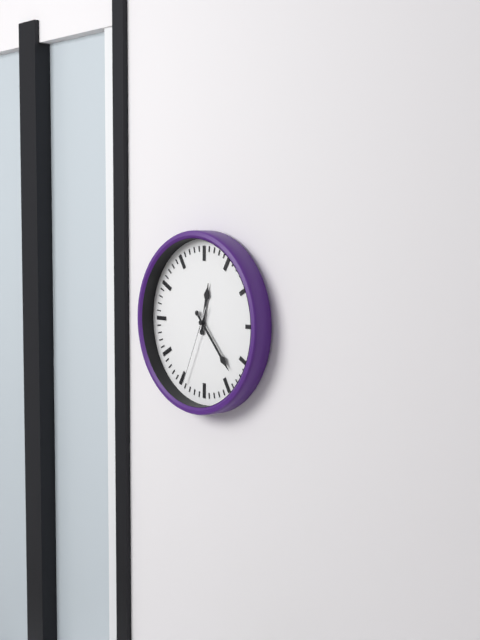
{"hour": 12, "minute": 23, "second": 34}
